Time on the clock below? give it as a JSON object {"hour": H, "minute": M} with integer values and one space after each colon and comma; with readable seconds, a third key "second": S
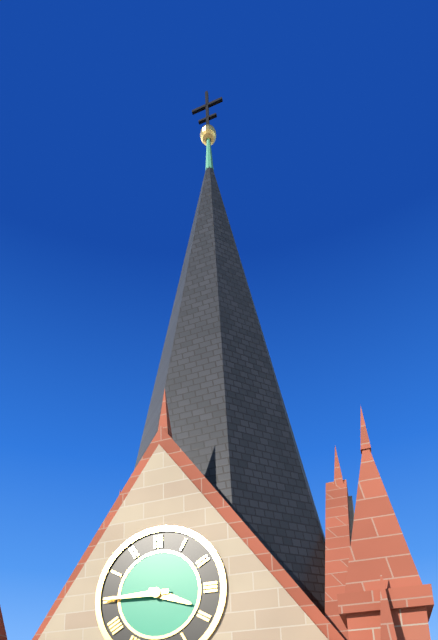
{"hour": 3, "minute": 45}
